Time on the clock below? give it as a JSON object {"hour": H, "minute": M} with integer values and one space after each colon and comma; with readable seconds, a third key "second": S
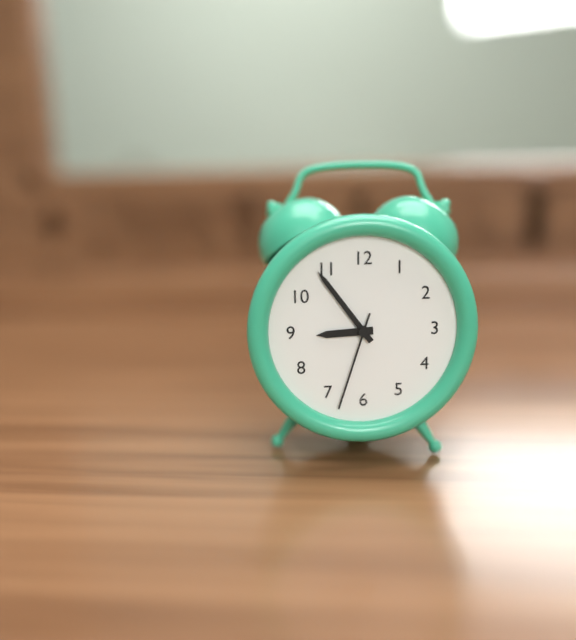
{"hour": 8, "minute": 54, "second": 33}
